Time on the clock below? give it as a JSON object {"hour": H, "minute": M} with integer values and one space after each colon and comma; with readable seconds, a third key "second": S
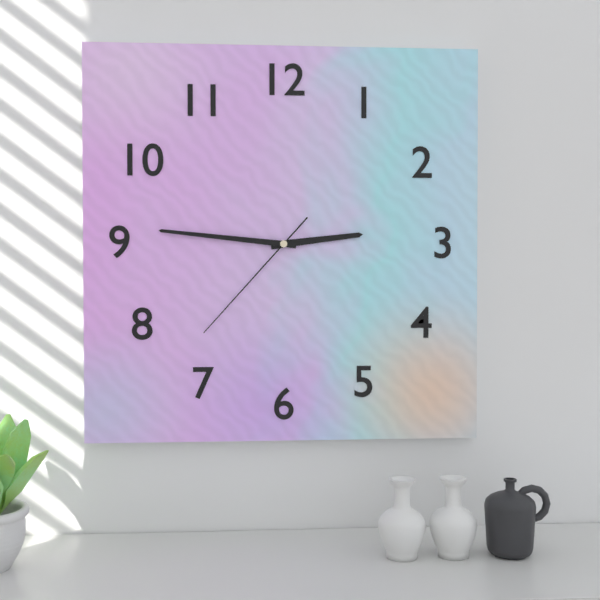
{"hour": 2, "minute": 46, "second": 37}
